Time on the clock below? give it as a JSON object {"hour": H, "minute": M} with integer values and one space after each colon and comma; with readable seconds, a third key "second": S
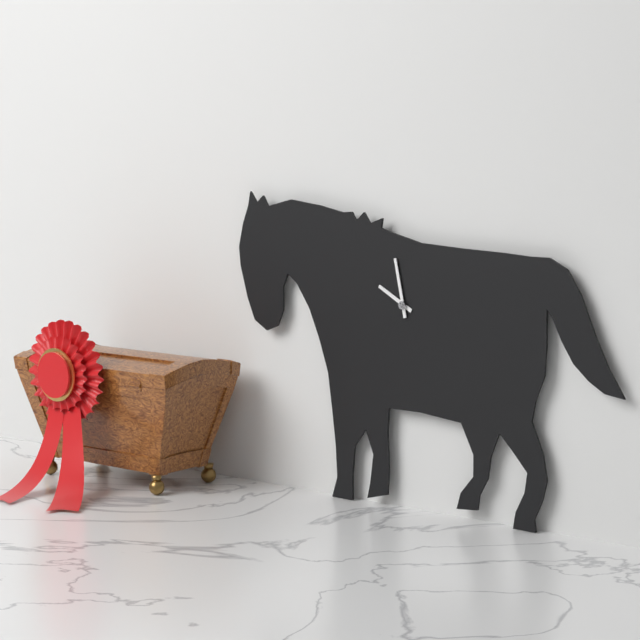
{"hour": 9, "minute": 58}
